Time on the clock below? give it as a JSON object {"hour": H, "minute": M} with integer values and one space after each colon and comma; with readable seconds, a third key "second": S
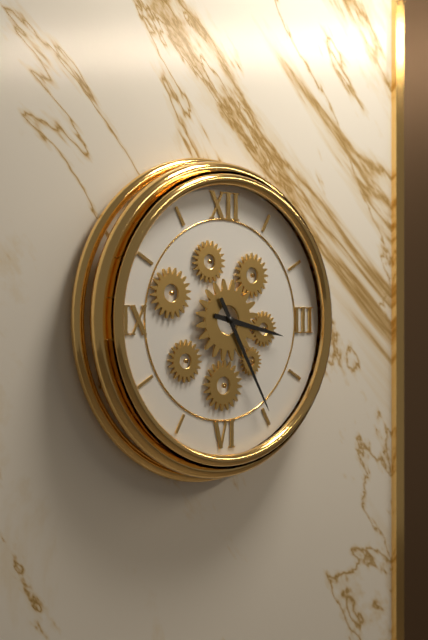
{"hour": 3, "minute": 25}
